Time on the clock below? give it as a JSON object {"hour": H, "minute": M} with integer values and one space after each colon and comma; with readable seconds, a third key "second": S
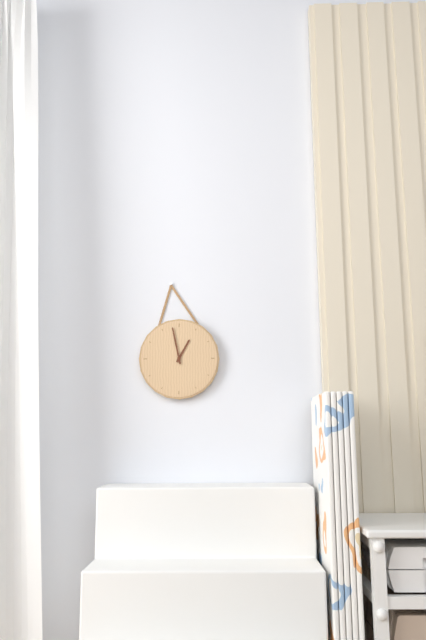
{"hour": 12, "minute": 58}
